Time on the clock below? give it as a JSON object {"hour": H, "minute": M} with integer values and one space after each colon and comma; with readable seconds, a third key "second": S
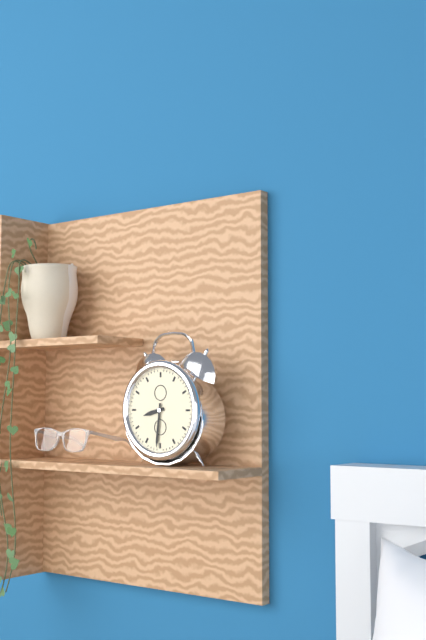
{"hour": 8, "minute": 31}
